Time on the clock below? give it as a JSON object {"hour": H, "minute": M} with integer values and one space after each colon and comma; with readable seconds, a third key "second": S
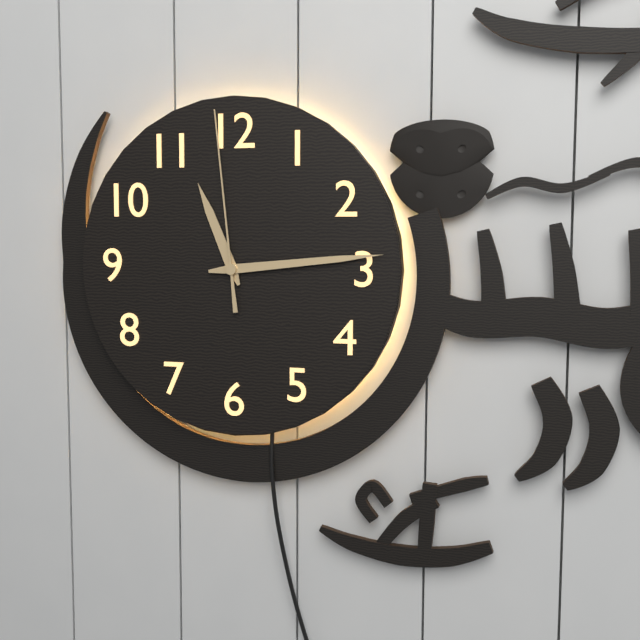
{"hour": 11, "minute": 14, "second": 59}
